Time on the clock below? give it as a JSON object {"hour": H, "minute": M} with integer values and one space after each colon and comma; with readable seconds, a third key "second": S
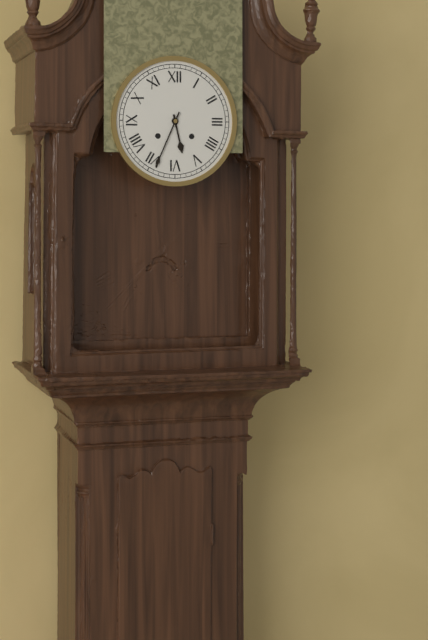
{"hour": 5, "minute": 34}
